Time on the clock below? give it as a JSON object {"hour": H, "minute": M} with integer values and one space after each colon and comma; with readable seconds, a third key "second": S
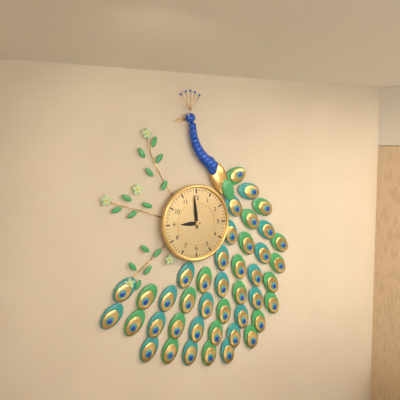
{"hour": 8, "minute": 59}
